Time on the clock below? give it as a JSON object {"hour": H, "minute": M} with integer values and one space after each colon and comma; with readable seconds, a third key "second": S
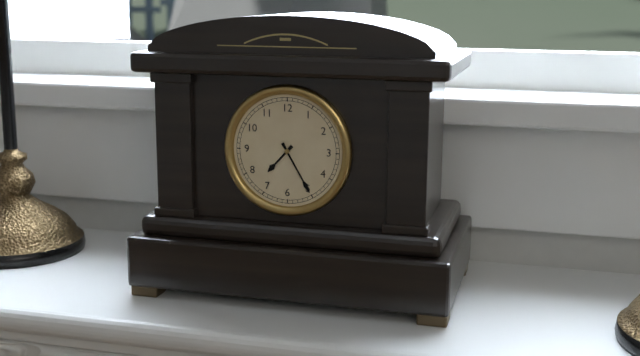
{"hour": 7, "minute": 25}
